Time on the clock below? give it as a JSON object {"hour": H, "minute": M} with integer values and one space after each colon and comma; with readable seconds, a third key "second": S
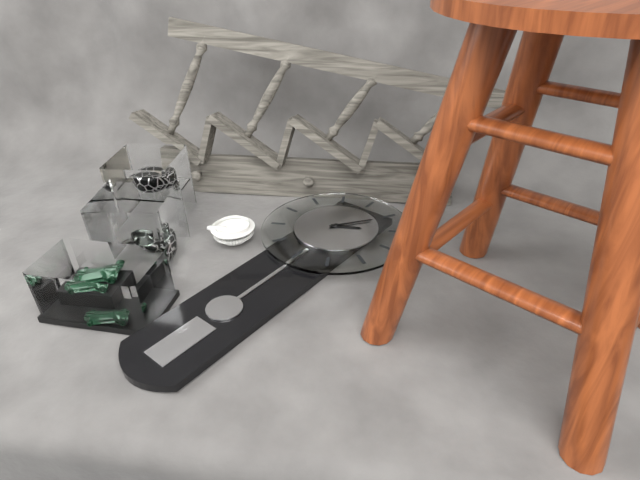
{"hour": 2, "minute": 6}
